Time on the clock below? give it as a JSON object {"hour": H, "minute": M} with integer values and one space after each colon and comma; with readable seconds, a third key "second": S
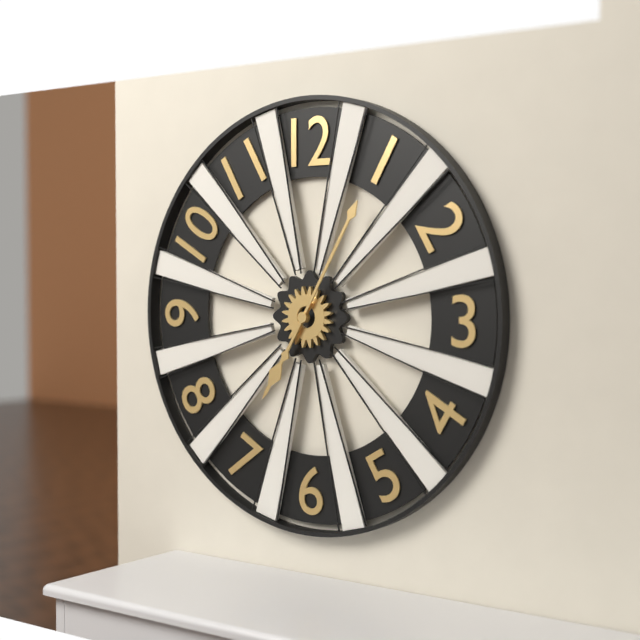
{"hour": 7, "minute": 5}
